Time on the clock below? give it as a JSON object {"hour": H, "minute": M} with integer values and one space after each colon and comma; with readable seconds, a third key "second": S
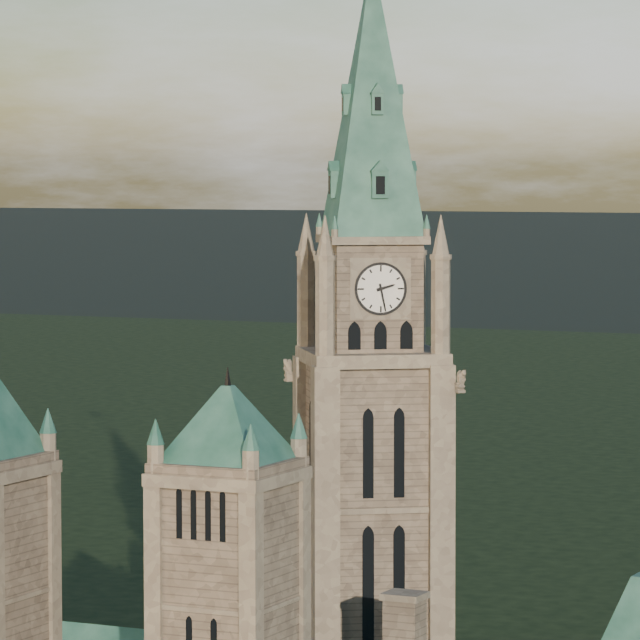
{"hour": 2, "minute": 28}
